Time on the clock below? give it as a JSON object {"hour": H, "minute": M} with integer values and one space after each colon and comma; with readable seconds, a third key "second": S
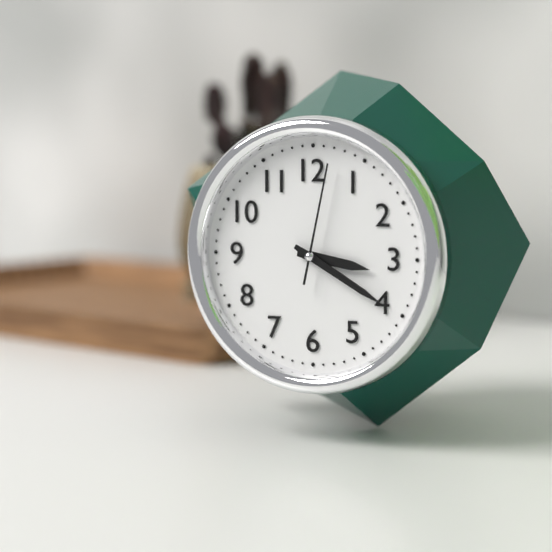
{"hour": 3, "minute": 20, "second": 2}
